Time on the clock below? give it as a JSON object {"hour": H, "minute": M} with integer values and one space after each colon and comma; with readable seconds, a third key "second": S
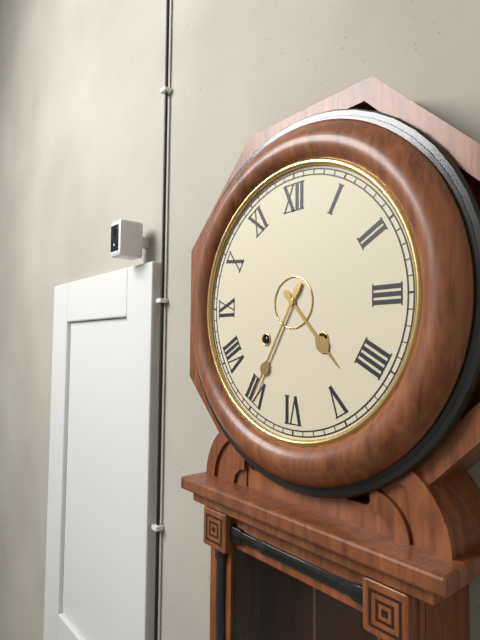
{"hour": 4, "minute": 35}
